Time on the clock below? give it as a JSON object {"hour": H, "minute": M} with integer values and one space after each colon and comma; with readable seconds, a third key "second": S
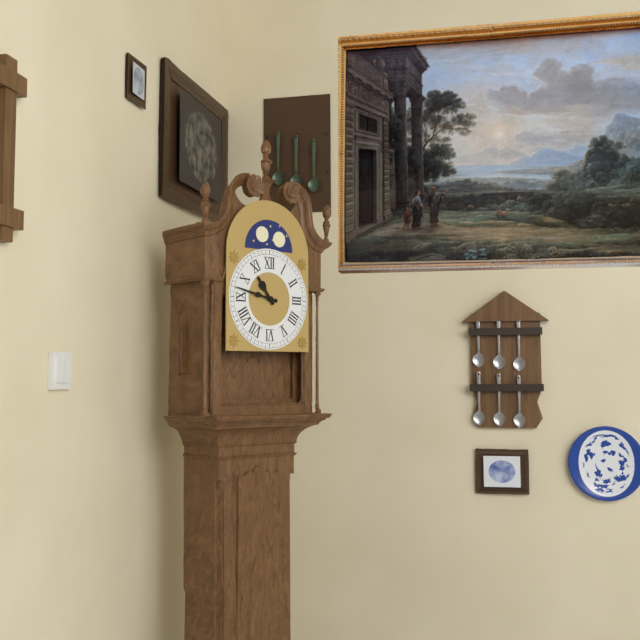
{"hour": 10, "minute": 47}
